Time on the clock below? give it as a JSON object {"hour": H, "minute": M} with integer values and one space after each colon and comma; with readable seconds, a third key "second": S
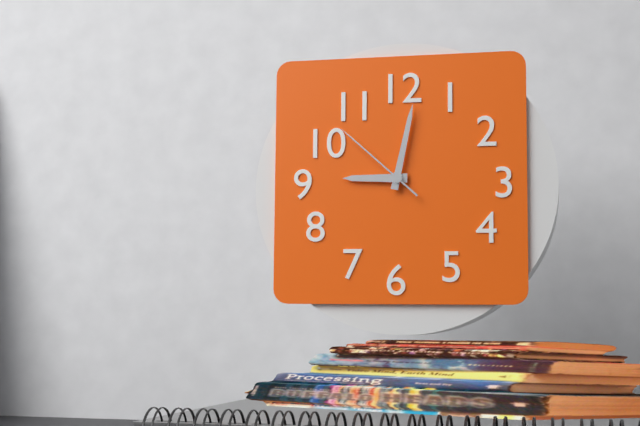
{"hour": 9, "minute": 2, "second": 52}
